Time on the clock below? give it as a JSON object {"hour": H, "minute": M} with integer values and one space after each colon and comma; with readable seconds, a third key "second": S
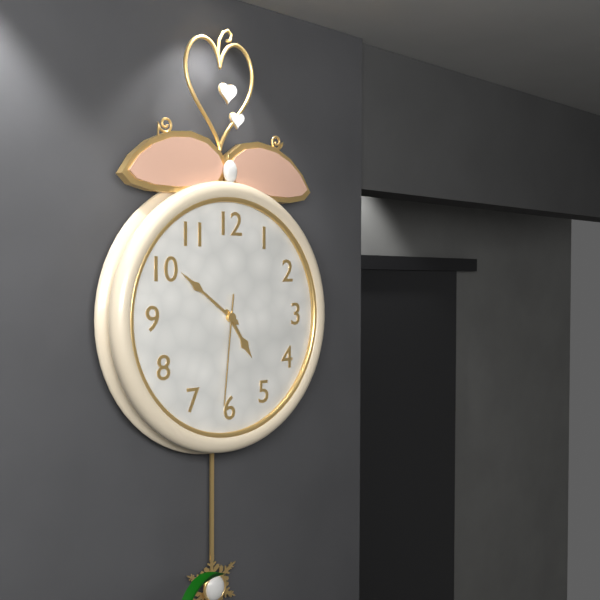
{"hour": 4, "minute": 51, "second": 31}
